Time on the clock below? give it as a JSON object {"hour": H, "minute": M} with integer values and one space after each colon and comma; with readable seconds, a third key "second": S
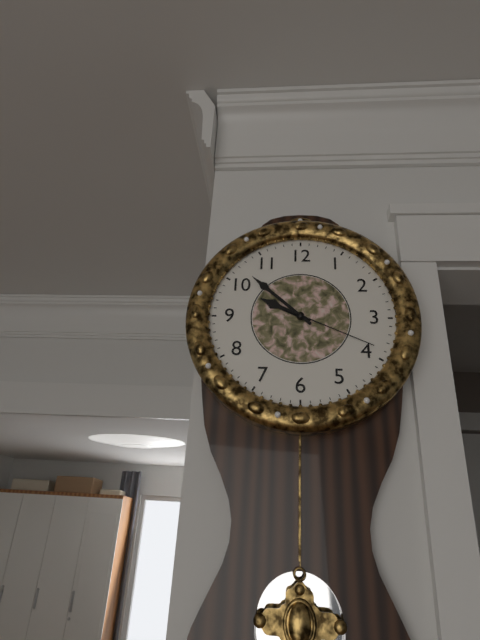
{"hour": 9, "minute": 52, "second": 19}
